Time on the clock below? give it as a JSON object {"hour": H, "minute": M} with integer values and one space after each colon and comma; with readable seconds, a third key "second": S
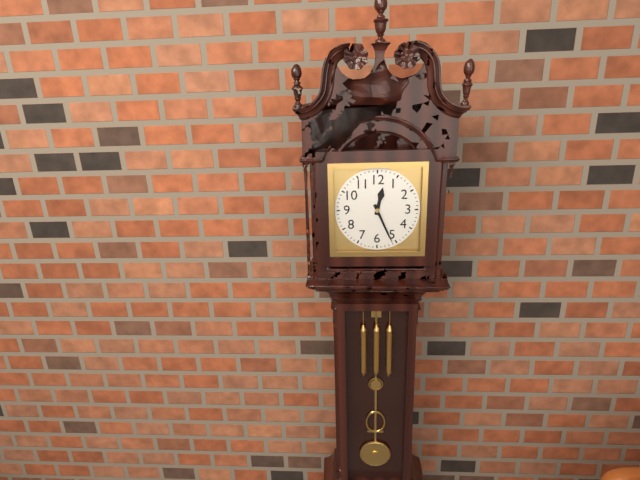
{"hour": 12, "minute": 26}
